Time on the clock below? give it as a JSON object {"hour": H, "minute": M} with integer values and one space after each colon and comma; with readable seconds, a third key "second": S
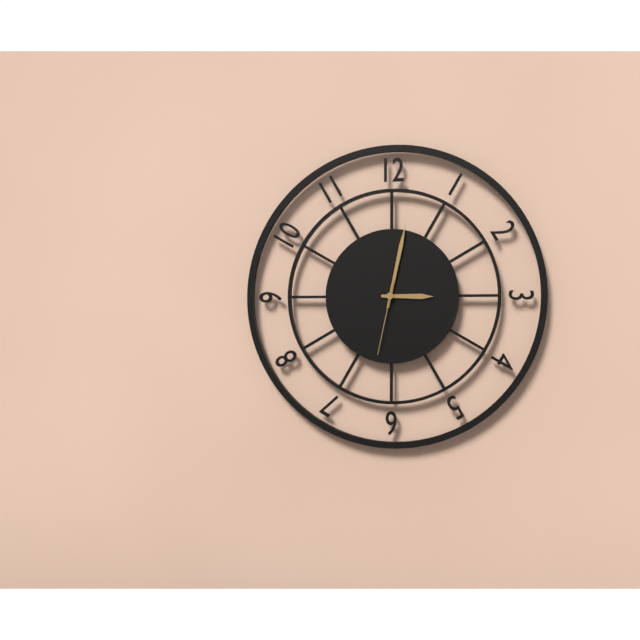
{"hour": 3, "minute": 2, "second": 32}
